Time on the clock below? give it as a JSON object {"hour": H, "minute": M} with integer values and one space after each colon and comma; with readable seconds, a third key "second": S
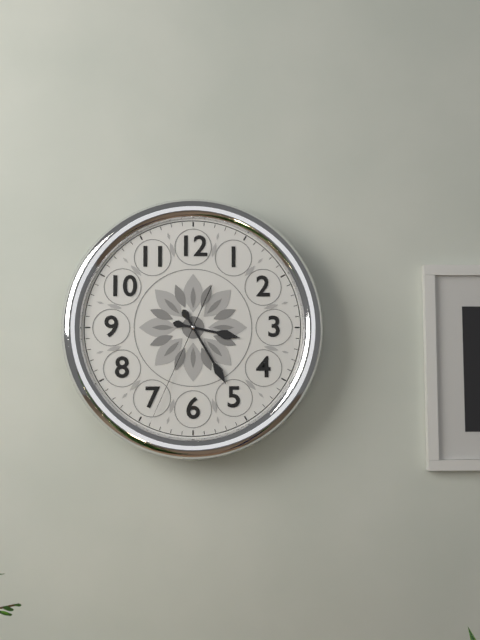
{"hour": 3, "minute": 25, "second": 34}
